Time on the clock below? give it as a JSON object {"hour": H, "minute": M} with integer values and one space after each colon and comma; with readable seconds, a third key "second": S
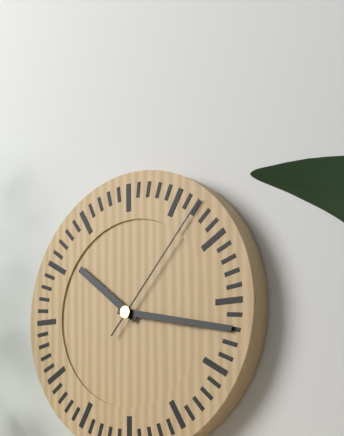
{"hour": 10, "minute": 17, "second": 7}
